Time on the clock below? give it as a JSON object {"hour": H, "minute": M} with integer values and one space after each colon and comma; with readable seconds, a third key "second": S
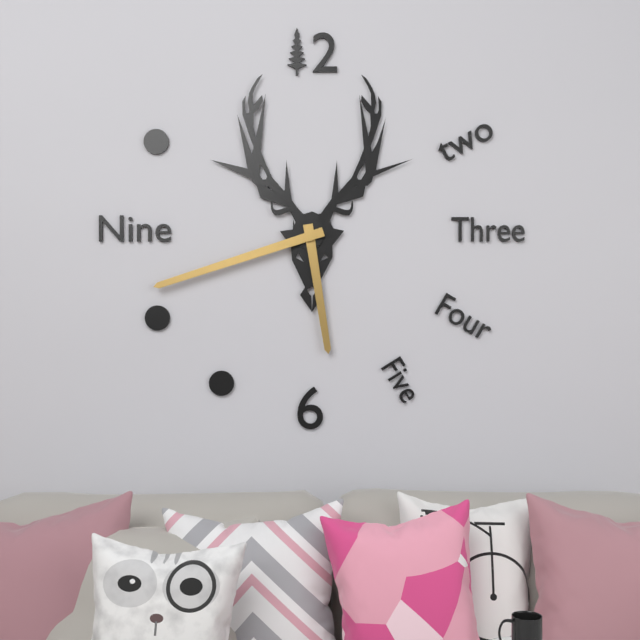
{"hour": 5, "minute": 42}
